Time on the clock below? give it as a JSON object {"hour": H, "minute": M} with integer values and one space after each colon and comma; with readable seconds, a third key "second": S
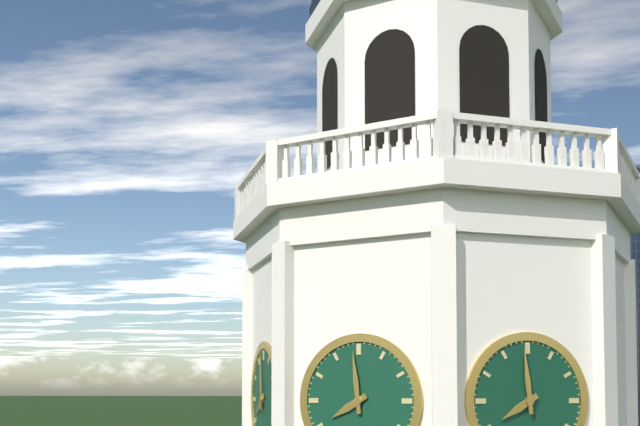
{"hour": 7, "minute": 59}
